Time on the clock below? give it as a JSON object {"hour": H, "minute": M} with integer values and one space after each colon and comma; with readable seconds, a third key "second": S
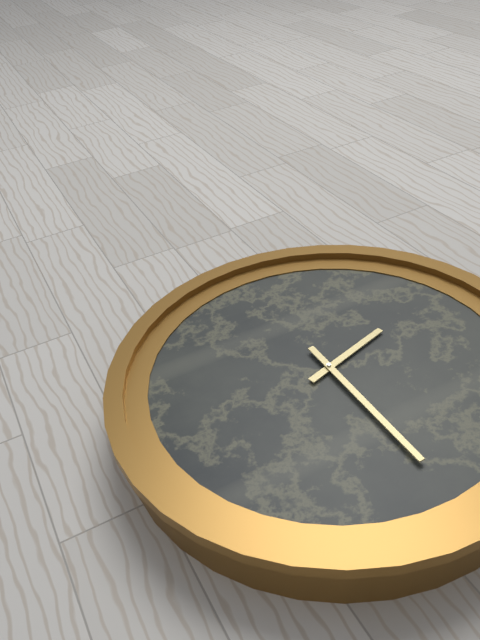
{"hour": 2, "minute": 30}
